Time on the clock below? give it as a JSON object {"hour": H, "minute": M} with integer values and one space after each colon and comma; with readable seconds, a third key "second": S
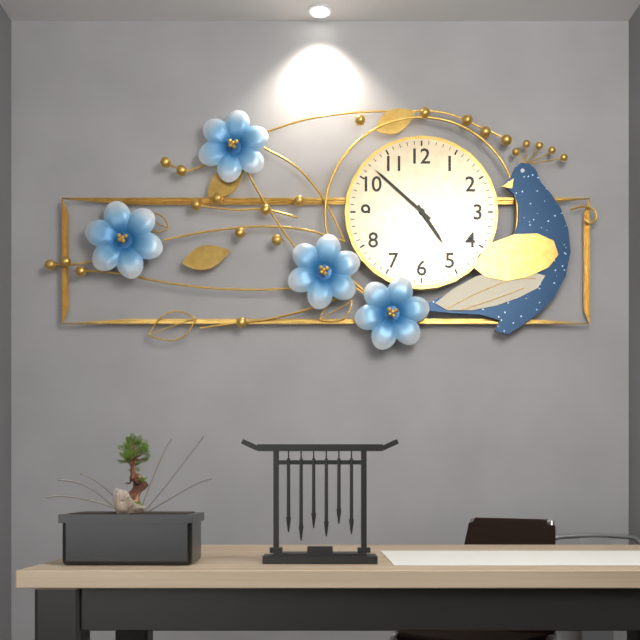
{"hour": 4, "minute": 52}
